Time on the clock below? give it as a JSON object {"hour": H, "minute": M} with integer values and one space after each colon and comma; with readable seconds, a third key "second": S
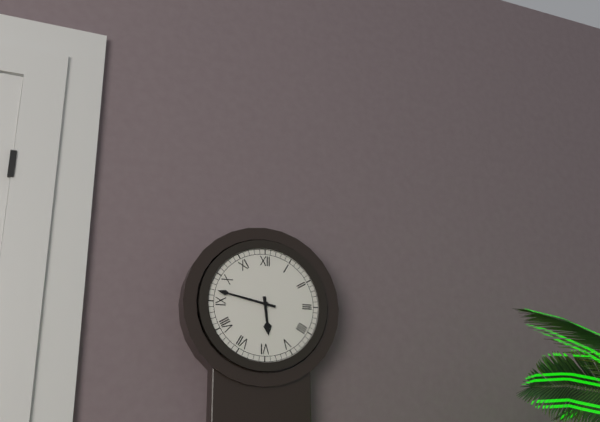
{"hour": 5, "minute": 47}
